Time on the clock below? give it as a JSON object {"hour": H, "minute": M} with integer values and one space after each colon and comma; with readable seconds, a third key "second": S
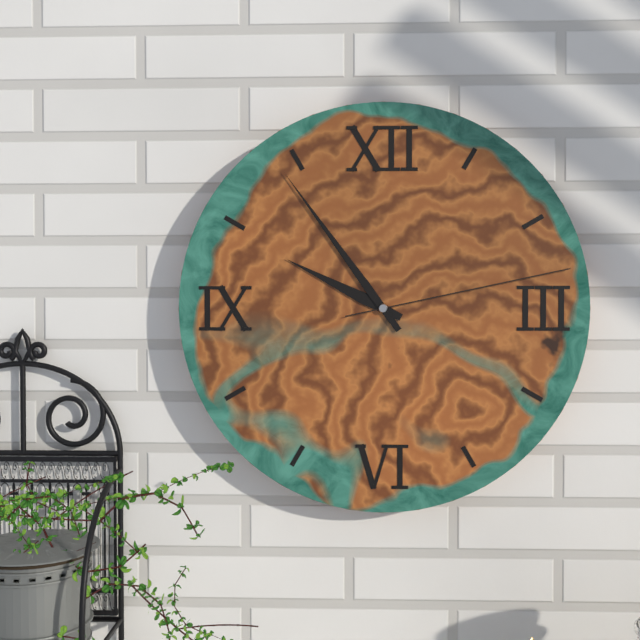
{"hour": 9, "minute": 54, "second": 13}
